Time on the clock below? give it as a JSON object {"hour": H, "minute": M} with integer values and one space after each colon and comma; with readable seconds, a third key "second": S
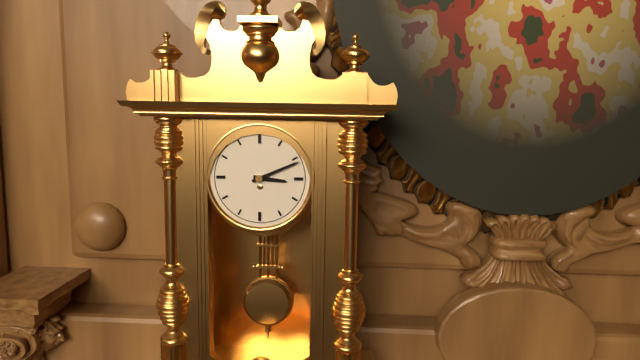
{"hour": 3, "minute": 11}
